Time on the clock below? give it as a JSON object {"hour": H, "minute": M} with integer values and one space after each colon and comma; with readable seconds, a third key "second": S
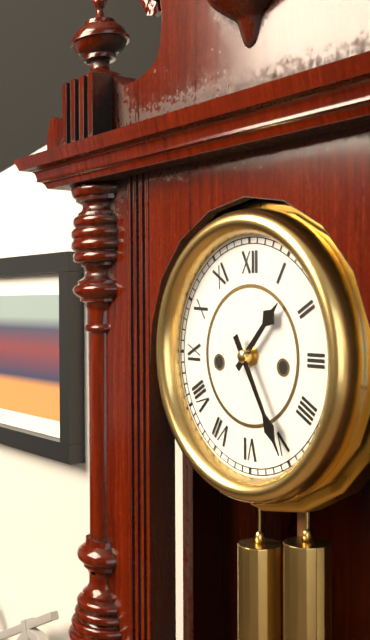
{"hour": 1, "minute": 25}
